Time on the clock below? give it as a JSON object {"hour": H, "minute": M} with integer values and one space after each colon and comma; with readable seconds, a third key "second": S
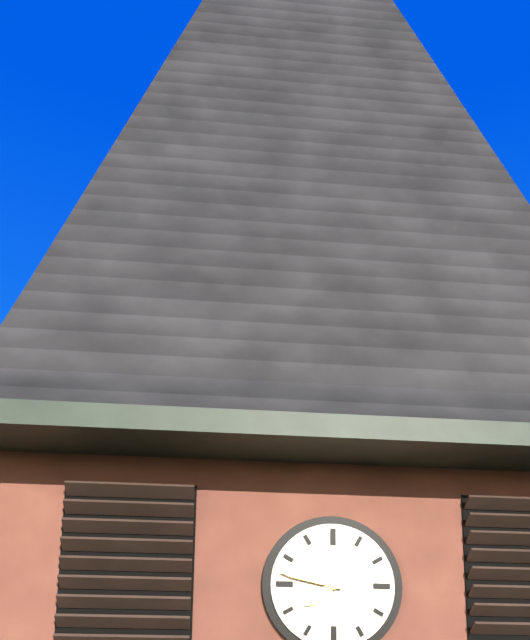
{"hour": 7, "minute": 47}
